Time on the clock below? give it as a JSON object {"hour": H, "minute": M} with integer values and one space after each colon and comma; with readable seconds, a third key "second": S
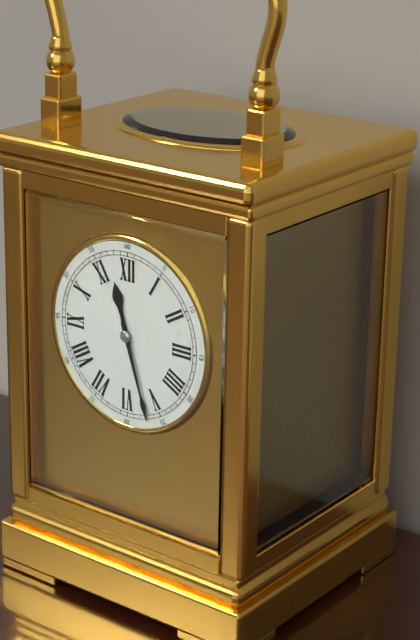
{"hour": 11, "minute": 27}
